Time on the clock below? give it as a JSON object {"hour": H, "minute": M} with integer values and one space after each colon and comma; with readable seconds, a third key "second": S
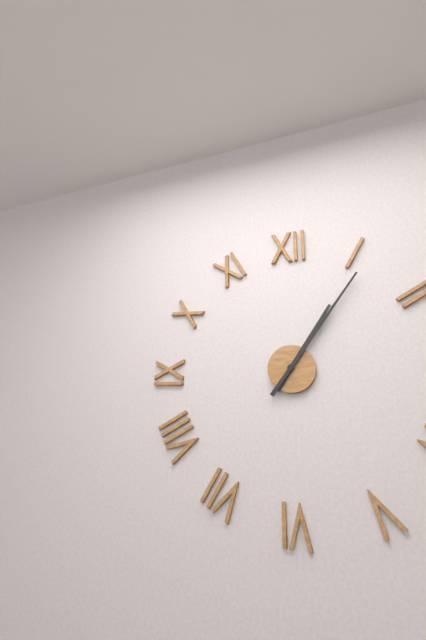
{"hour": 1, "minute": 6}
